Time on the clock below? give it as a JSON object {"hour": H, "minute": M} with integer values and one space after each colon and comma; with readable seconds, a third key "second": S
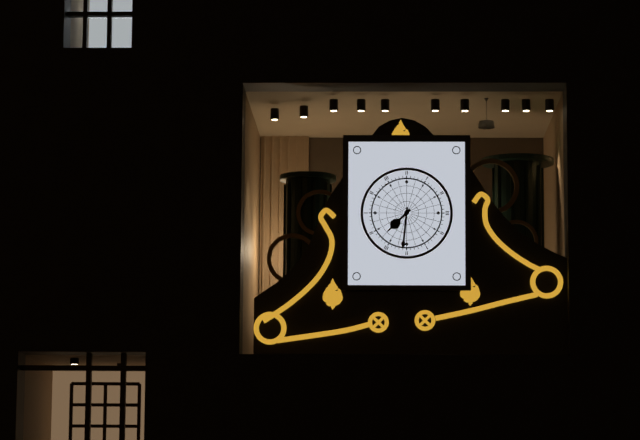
{"hour": 7, "minute": 31}
